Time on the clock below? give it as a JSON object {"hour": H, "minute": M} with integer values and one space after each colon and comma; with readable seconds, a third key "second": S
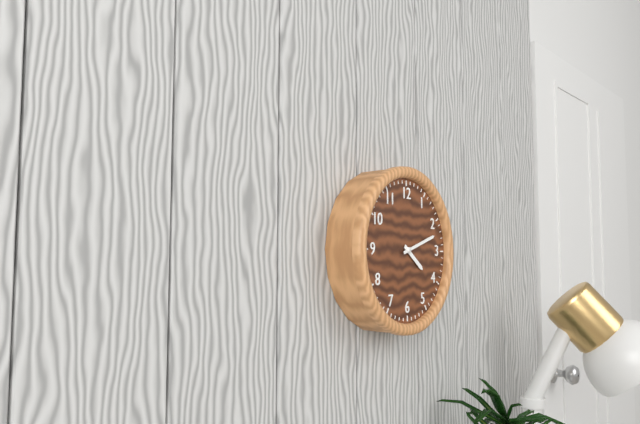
{"hour": 4, "minute": 12}
